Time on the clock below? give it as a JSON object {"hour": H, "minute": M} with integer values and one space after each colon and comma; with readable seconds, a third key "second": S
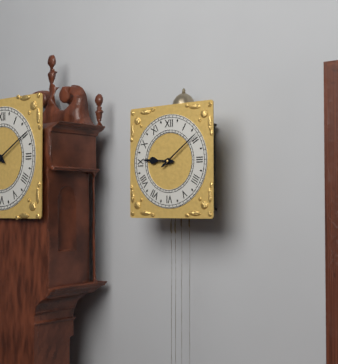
{"hour": 9, "minute": 9}
